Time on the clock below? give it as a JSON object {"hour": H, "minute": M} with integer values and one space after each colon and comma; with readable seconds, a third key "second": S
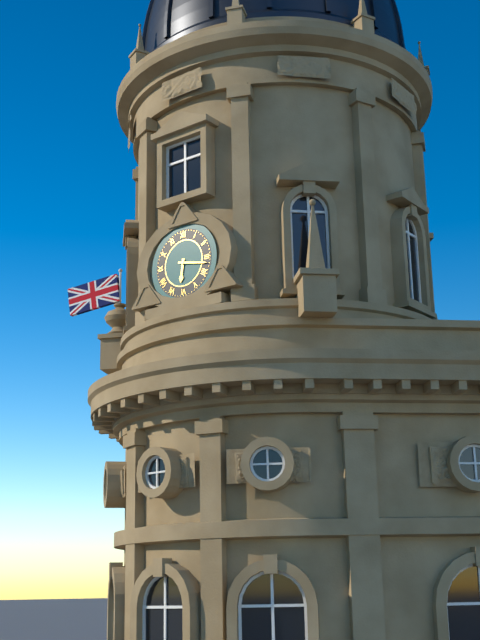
{"hour": 6, "minute": 17}
